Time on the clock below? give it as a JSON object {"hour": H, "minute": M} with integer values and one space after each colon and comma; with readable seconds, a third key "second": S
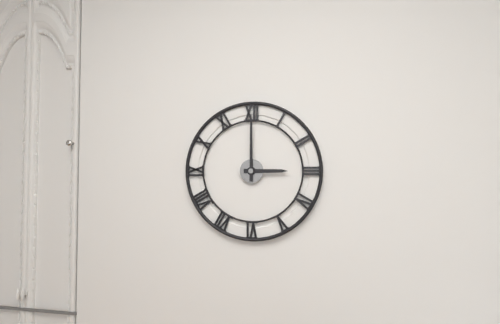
{"hour": 3, "minute": 0}
